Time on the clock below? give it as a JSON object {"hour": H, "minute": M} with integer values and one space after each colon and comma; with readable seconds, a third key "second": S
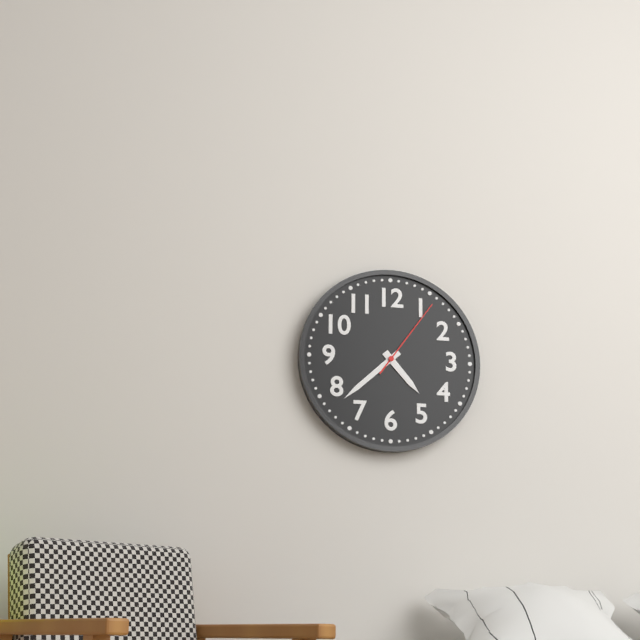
{"hour": 4, "minute": 38, "second": 6}
